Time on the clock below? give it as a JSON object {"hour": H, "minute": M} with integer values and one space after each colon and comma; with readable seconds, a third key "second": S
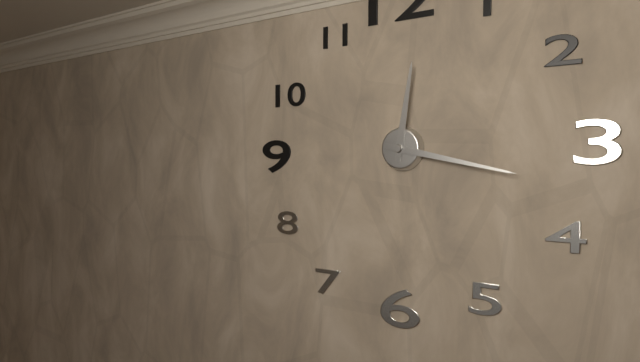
{"hour": 12, "minute": 17}
